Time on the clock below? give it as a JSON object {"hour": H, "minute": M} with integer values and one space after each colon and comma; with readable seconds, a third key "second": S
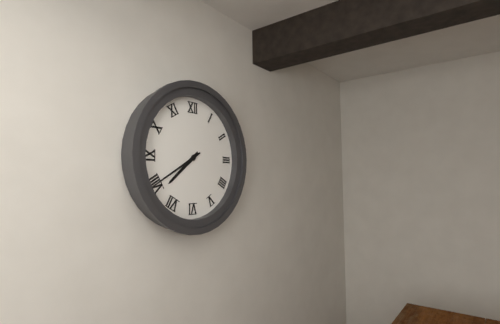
{"hour": 7, "minute": 40}
